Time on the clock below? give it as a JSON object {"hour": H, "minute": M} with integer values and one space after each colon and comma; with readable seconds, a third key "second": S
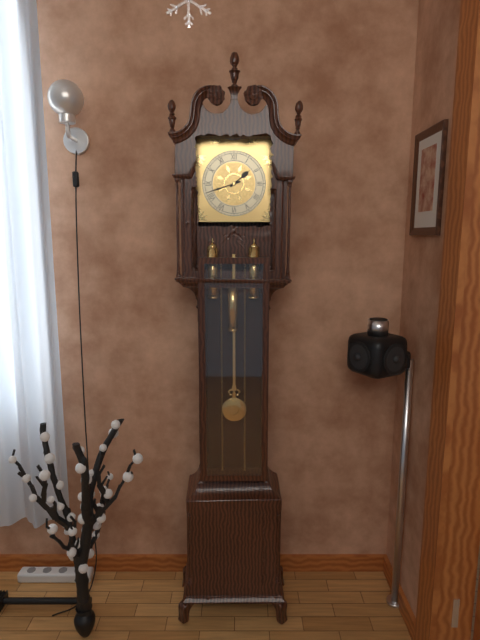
{"hour": 1, "minute": 42}
